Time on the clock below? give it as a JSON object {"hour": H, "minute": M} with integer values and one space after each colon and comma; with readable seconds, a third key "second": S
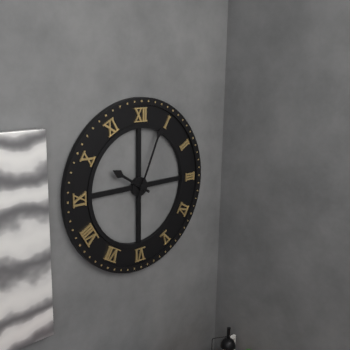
{"hour": 10, "minute": 4}
